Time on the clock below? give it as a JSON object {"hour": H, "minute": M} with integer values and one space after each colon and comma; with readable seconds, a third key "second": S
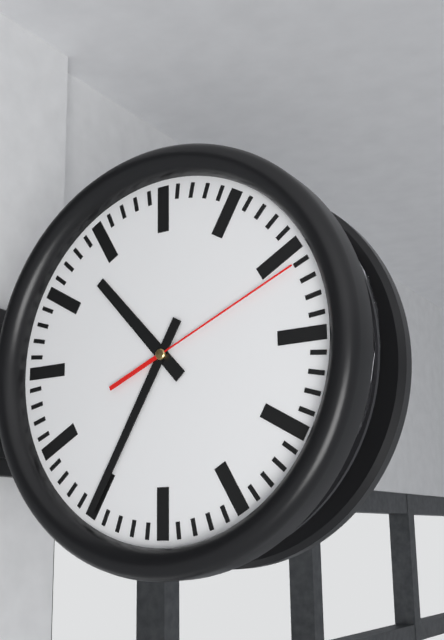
{"hour": 10, "minute": 35, "second": 11}
